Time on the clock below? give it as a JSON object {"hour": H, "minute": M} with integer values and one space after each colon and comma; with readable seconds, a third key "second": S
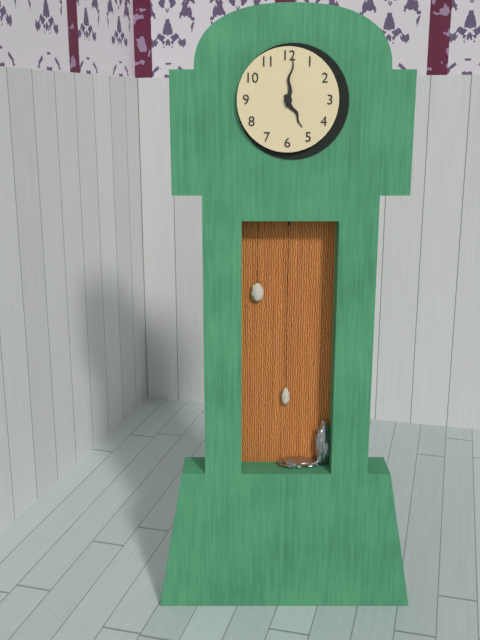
{"hour": 5, "minute": 1}
